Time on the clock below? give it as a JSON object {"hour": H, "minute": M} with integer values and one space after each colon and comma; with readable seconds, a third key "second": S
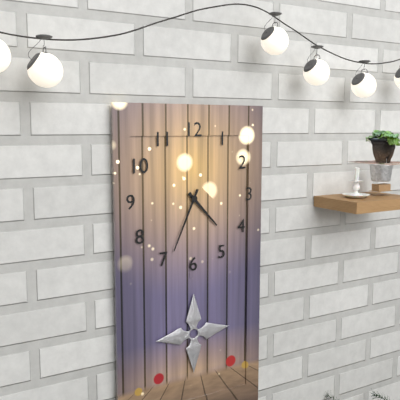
{"hour": 4, "minute": 34}
